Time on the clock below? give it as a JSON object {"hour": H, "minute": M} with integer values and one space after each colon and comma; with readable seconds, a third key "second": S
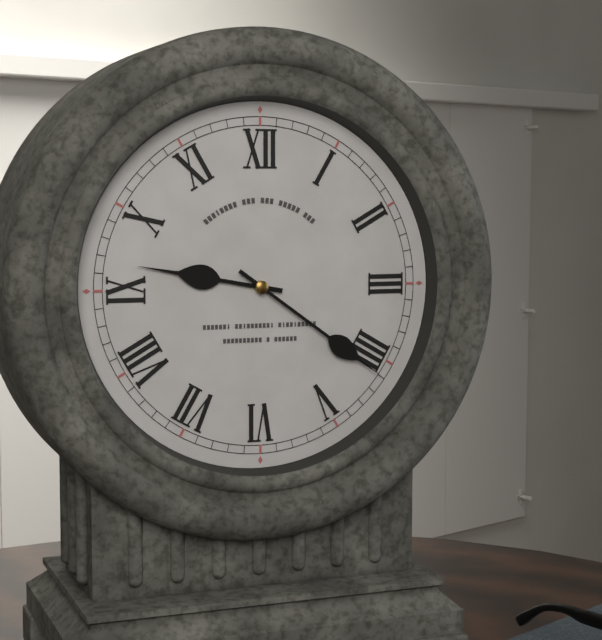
{"hour": 9, "minute": 21}
